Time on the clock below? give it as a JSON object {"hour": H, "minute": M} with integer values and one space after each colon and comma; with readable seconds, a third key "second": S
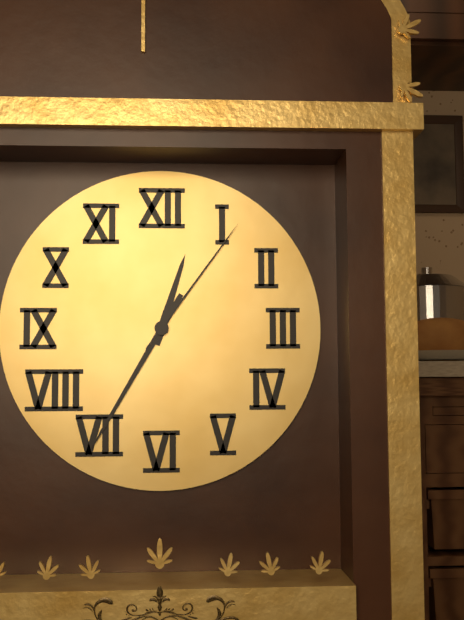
{"hour": 12, "minute": 35, "second": 6}
